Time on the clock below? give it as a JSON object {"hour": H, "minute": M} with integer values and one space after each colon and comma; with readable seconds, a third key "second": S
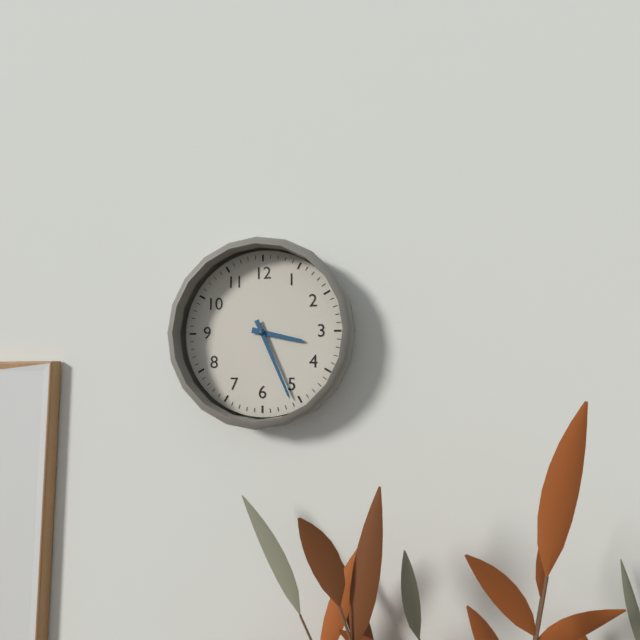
{"hour": 3, "minute": 26}
